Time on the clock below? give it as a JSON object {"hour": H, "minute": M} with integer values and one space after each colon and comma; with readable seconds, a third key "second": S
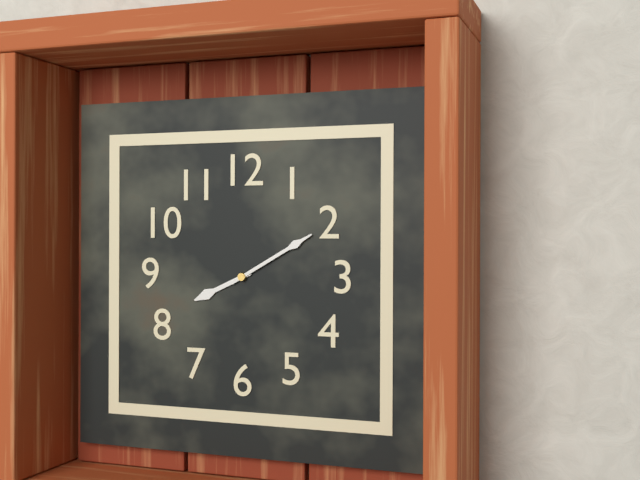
{"hour": 8, "minute": 10}
